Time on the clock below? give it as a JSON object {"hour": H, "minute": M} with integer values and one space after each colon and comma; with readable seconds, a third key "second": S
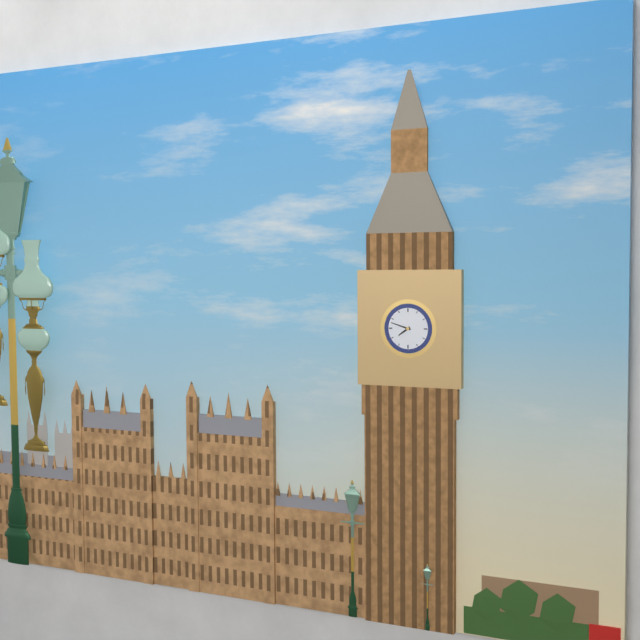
{"hour": 7, "minute": 48}
